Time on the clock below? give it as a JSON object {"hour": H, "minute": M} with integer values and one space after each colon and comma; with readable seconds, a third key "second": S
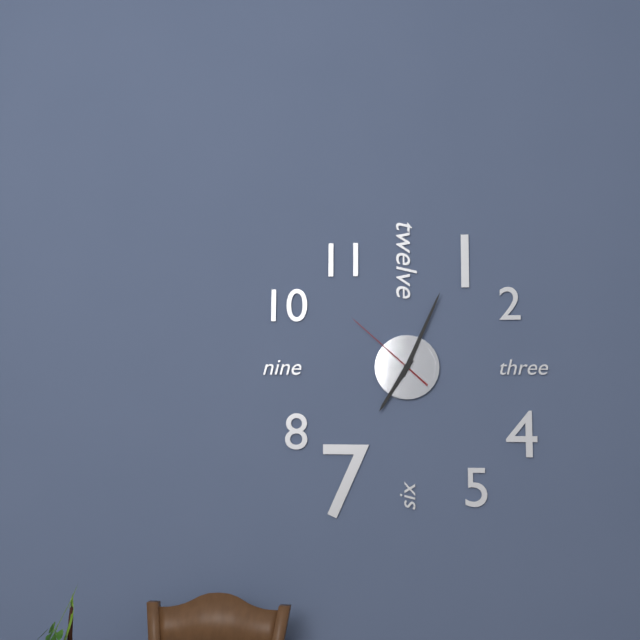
{"hour": 7, "minute": 4, "second": 52}
